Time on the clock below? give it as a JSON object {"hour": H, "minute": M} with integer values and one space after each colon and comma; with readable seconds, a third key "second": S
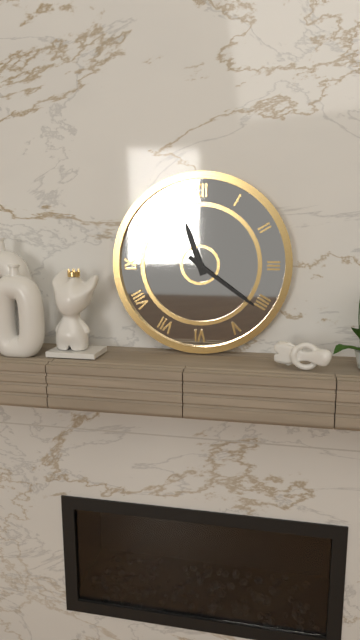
{"hour": 11, "minute": 21}
